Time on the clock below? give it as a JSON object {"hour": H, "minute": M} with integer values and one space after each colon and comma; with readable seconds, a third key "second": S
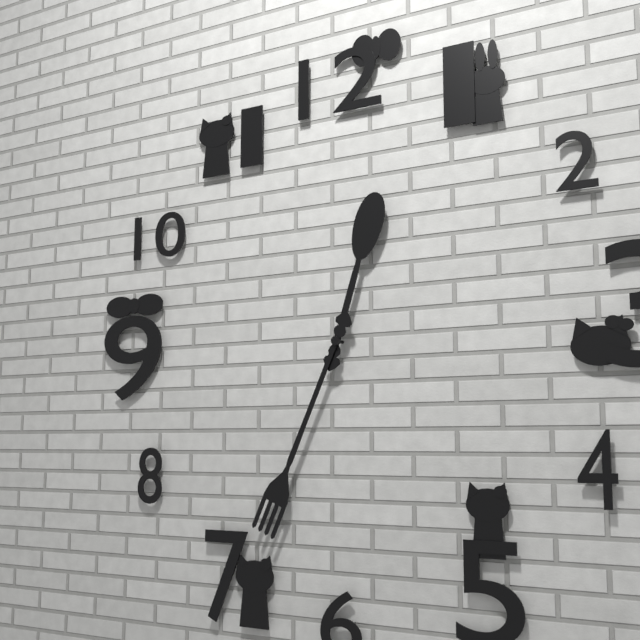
{"hour": 12, "minute": 34}
